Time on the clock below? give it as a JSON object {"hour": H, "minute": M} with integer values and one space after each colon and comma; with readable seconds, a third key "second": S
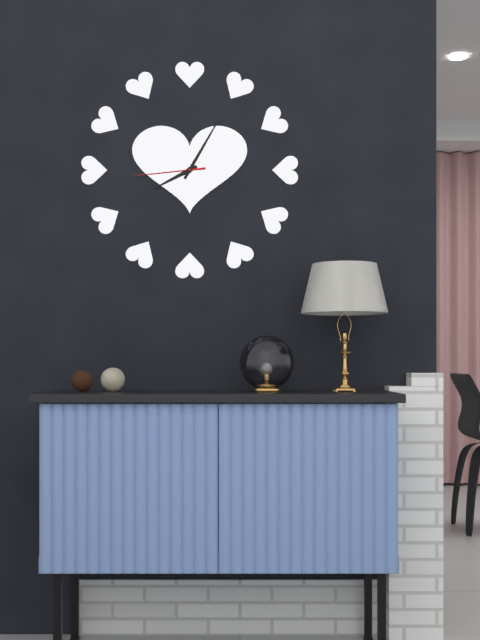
{"hour": 8, "minute": 5, "second": 44}
